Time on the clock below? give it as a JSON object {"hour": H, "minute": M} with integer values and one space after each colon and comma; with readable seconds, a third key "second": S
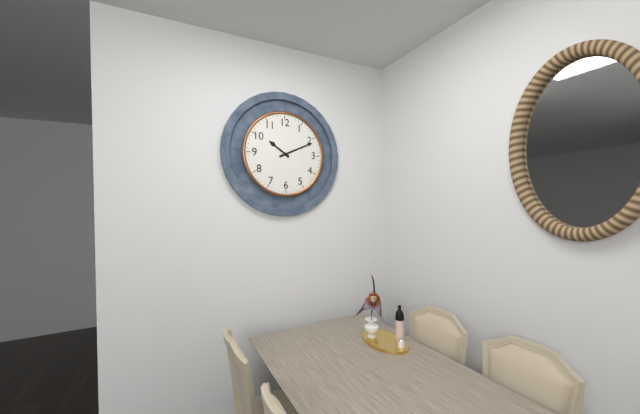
{"hour": 10, "minute": 11}
